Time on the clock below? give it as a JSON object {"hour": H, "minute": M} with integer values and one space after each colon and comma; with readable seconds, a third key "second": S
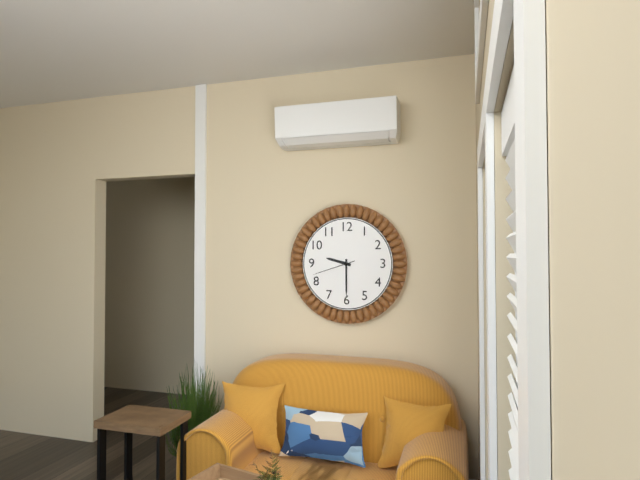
{"hour": 9, "minute": 30}
